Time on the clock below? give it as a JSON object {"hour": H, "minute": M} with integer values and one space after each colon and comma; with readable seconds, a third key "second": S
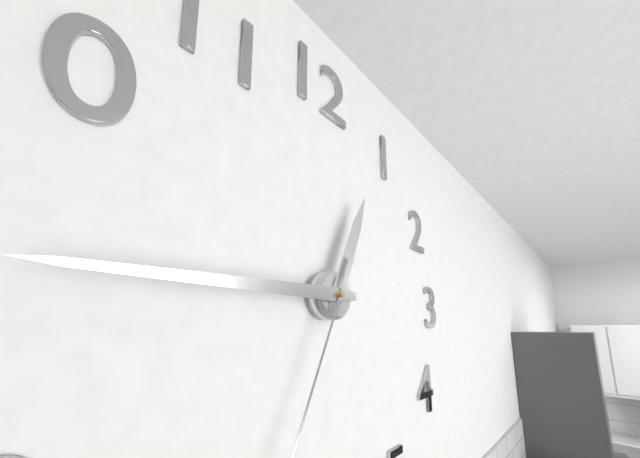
{"hour": 12, "minute": 45}
